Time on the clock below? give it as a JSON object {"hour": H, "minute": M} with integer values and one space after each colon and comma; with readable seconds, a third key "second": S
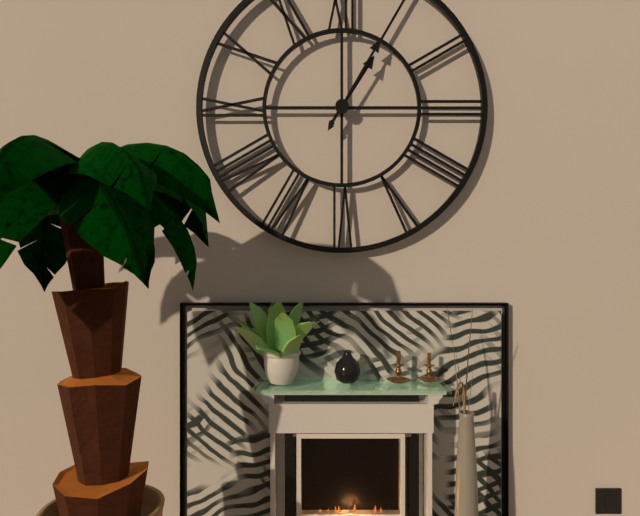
{"hour": 1, "minute": 5}
